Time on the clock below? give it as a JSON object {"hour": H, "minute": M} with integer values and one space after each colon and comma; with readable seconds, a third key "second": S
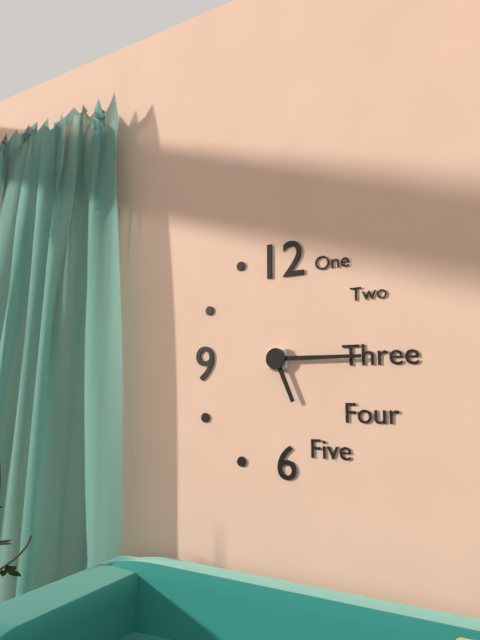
{"hour": 5, "minute": 15}
